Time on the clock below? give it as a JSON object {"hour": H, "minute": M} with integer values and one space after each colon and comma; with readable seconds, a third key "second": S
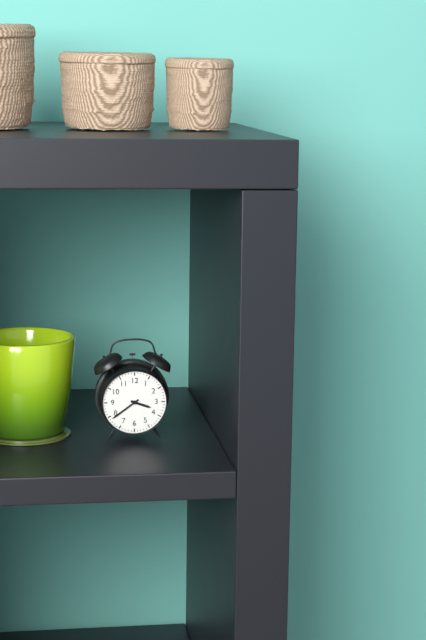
{"hour": 3, "minute": 39}
